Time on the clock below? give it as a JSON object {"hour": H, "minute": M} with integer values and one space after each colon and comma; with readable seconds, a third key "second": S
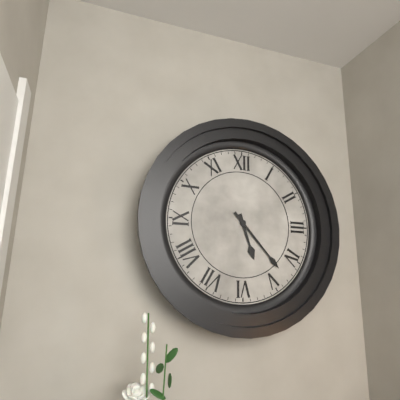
{"hour": 5, "minute": 23}
